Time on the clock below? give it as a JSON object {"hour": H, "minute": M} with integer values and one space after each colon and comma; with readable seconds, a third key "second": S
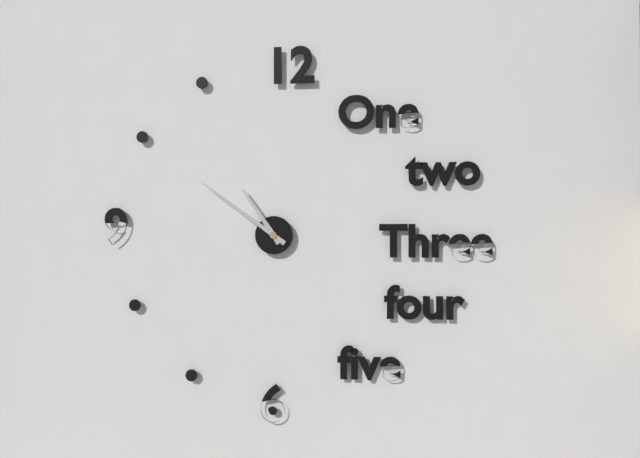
{"hour": 10, "minute": 51}
